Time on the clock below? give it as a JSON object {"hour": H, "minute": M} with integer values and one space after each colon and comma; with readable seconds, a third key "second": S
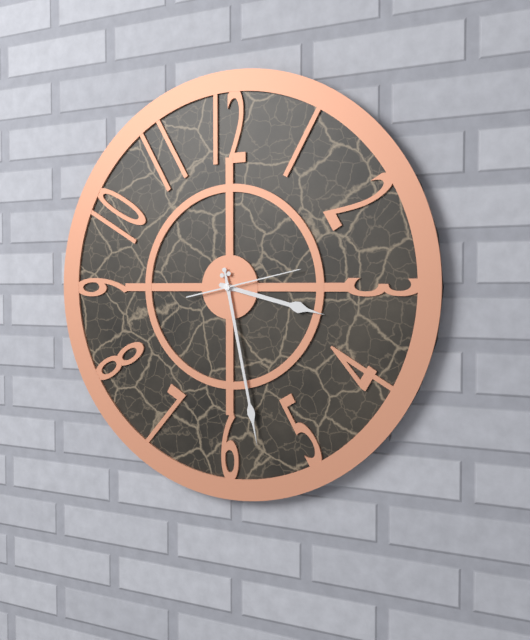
{"hour": 3, "minute": 28, "second": 13}
